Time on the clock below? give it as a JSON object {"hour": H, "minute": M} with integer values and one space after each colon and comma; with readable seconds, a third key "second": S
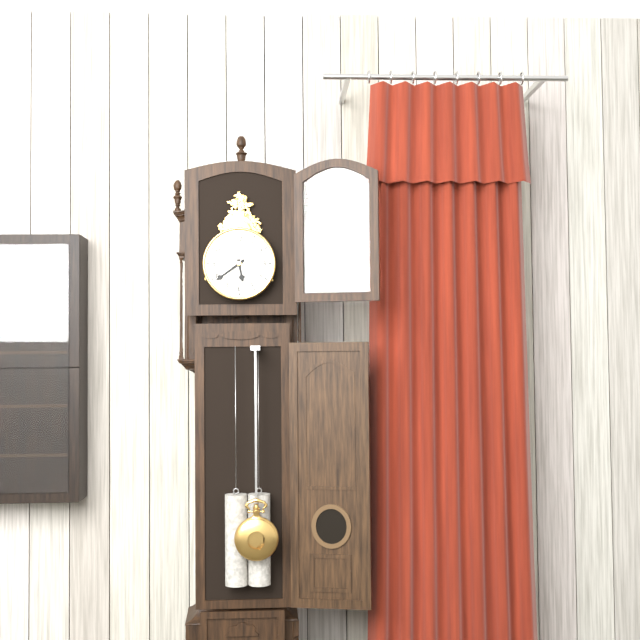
{"hour": 5, "minute": 39}
